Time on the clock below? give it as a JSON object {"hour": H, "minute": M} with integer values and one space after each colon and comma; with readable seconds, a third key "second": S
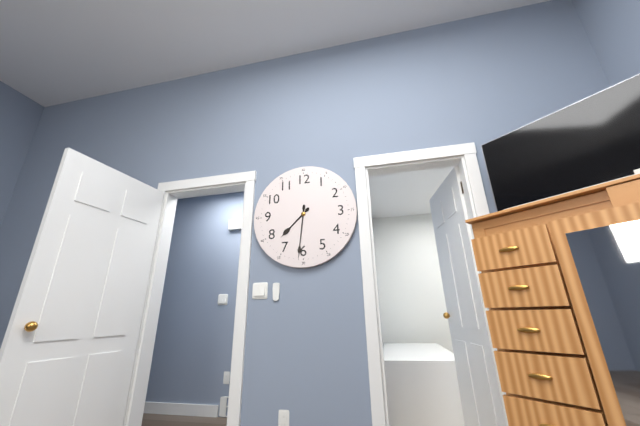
{"hour": 7, "minute": 31}
